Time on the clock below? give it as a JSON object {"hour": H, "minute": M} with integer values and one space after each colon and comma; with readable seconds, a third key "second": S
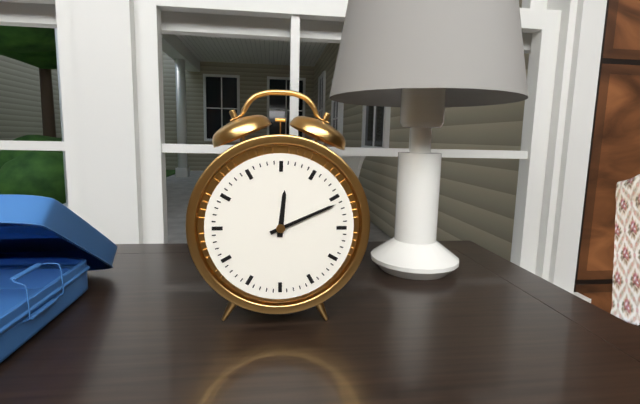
{"hour": 12, "minute": 11}
